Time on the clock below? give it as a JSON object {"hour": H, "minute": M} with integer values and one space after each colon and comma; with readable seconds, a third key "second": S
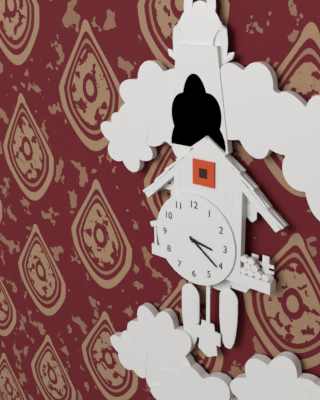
{"hour": 3, "minute": 21}
